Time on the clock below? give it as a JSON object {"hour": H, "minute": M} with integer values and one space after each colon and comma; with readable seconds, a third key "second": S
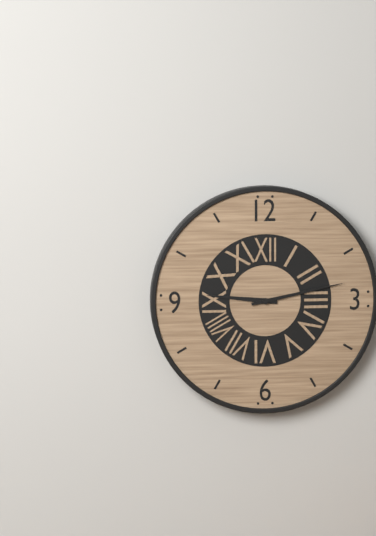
{"hour": 9, "minute": 13}
